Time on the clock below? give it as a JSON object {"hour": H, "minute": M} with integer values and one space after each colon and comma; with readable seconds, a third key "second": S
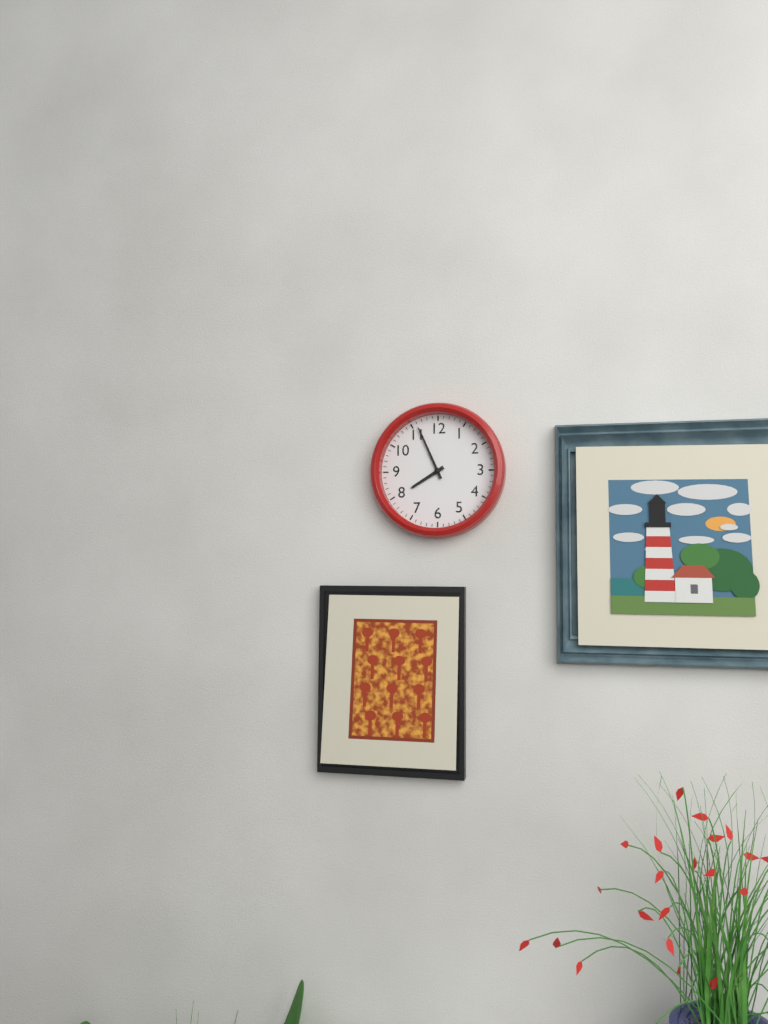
{"hour": 7, "minute": 56}
